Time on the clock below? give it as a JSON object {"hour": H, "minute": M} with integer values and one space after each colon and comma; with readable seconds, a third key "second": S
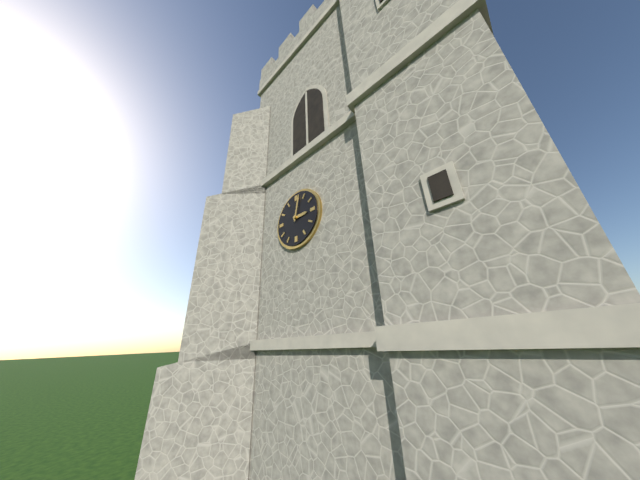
{"hour": 3, "minute": 2}
